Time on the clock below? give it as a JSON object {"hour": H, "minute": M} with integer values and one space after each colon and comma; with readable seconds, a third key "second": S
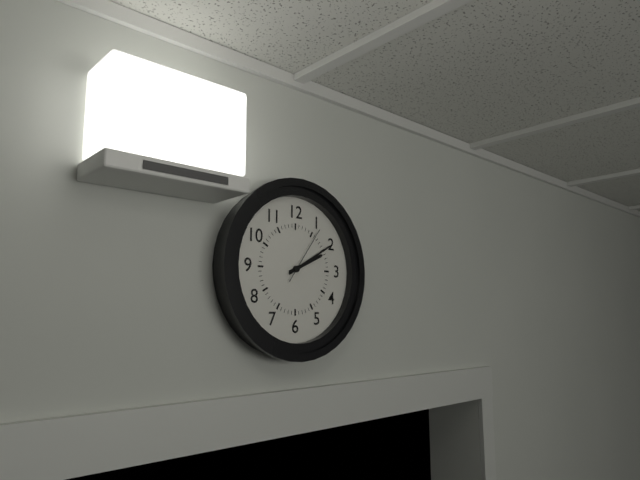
{"hour": 2, "minute": 10, "second": 6}
